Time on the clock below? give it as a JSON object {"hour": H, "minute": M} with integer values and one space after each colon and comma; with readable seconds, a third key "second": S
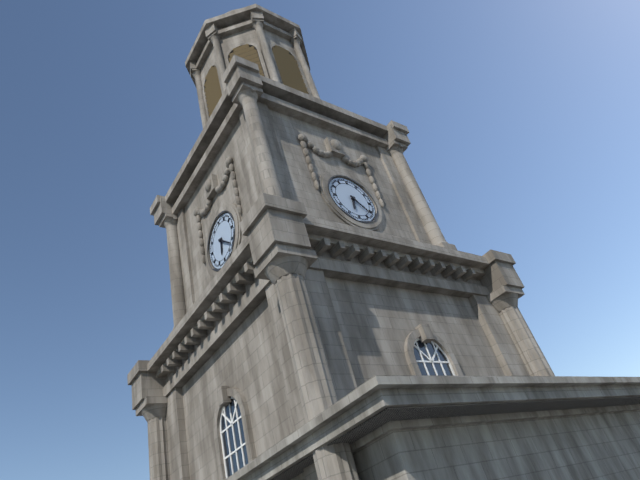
{"hour": 6, "minute": 22}
